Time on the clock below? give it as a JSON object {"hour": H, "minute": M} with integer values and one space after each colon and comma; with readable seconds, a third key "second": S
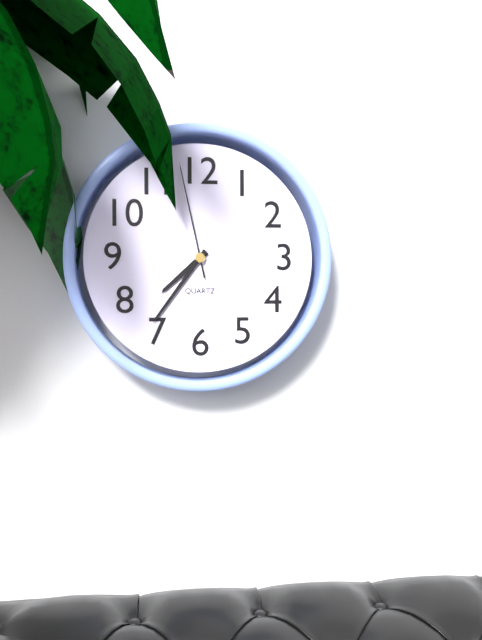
{"hour": 7, "minute": 36, "second": 58}
